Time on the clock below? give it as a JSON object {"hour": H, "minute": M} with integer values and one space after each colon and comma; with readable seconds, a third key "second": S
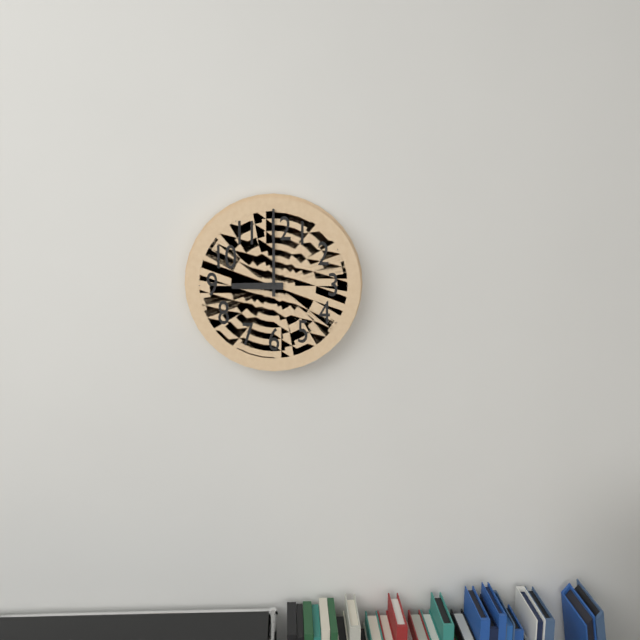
{"hour": 9, "minute": 0}
